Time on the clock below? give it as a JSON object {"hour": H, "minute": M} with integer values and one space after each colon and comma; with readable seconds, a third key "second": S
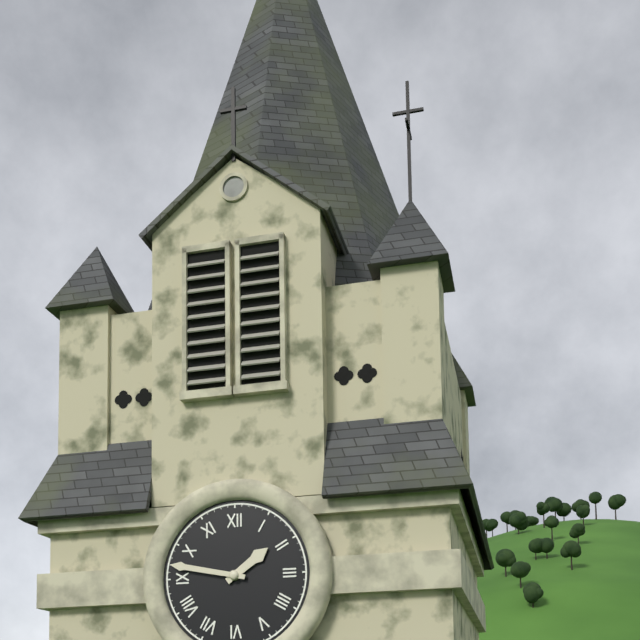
{"hour": 1, "minute": 47}
